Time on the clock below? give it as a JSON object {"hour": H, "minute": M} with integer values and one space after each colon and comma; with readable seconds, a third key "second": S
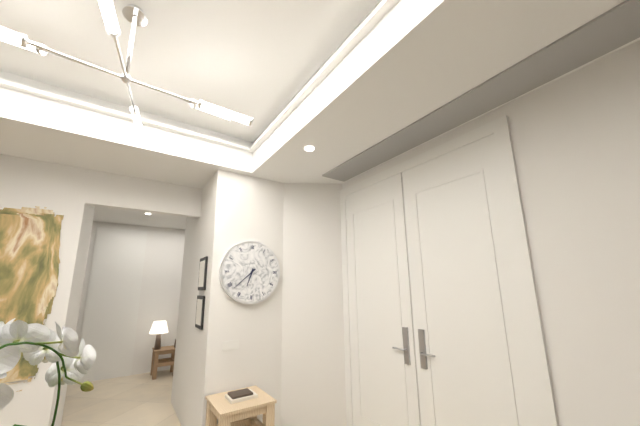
{"hour": 6, "minute": 38}
